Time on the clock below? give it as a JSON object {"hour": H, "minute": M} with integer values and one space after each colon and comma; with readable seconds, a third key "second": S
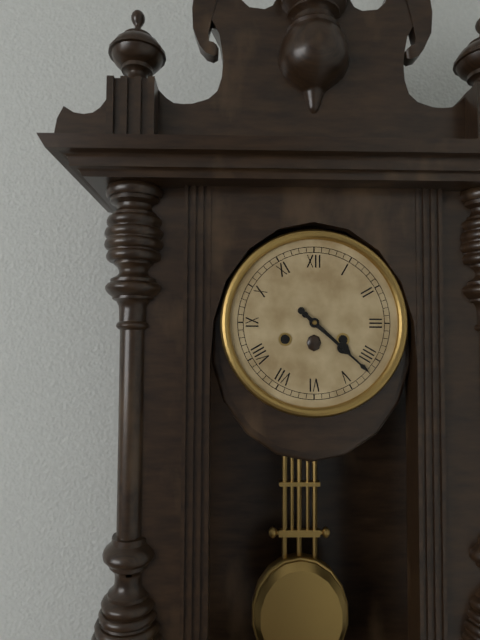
{"hour": 4, "minute": 22}
